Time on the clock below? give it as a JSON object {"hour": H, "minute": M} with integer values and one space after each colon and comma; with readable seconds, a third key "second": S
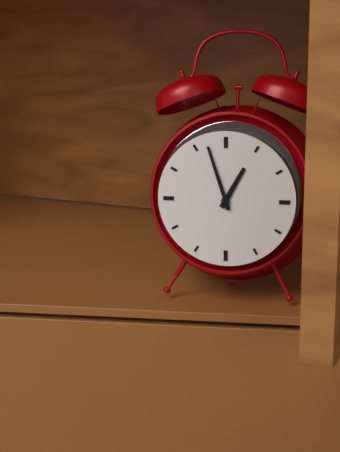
{"hour": 12, "minute": 57}
